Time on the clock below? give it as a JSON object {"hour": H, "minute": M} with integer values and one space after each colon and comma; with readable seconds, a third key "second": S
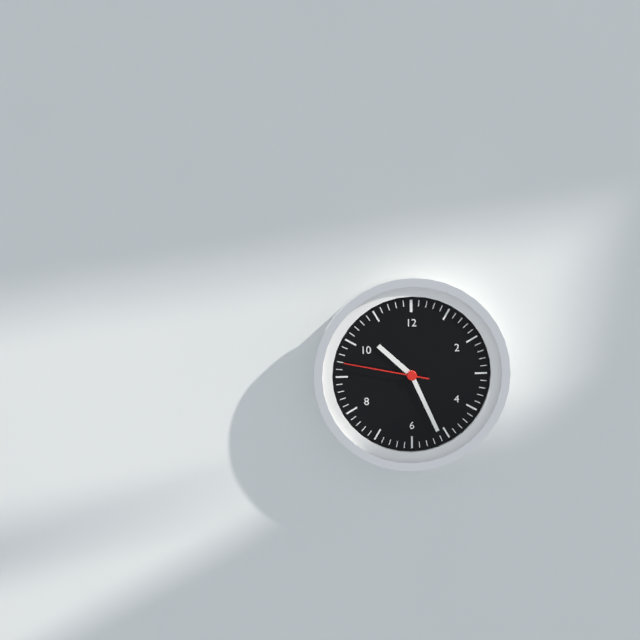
{"hour": 10, "minute": 26, "second": 47}
